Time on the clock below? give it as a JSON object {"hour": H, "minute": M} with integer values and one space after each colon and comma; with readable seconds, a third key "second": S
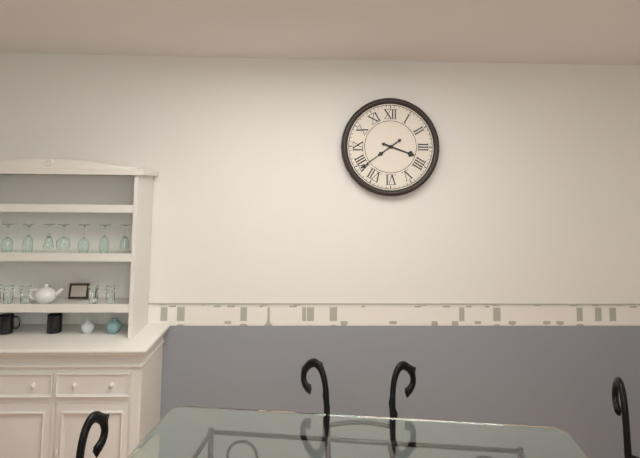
{"hour": 3, "minute": 39}
